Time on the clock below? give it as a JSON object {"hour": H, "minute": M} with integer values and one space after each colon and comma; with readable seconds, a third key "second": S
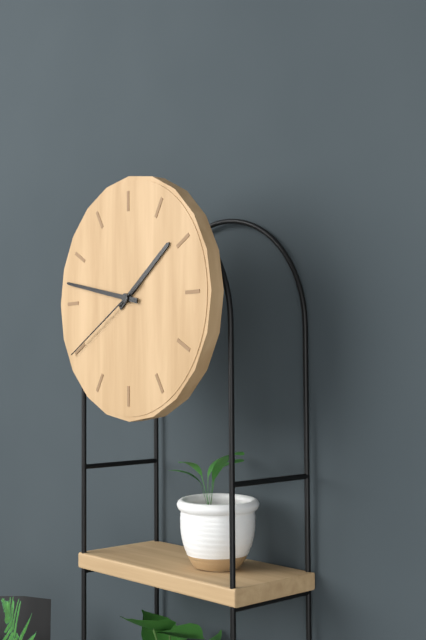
{"hour": 1, "minute": 47, "second": 40}
